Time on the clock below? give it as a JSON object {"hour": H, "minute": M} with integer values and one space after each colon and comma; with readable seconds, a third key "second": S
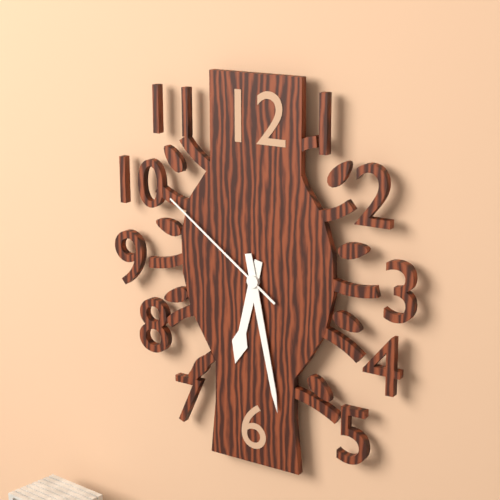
{"hour": 6, "minute": 28, "second": 51}
